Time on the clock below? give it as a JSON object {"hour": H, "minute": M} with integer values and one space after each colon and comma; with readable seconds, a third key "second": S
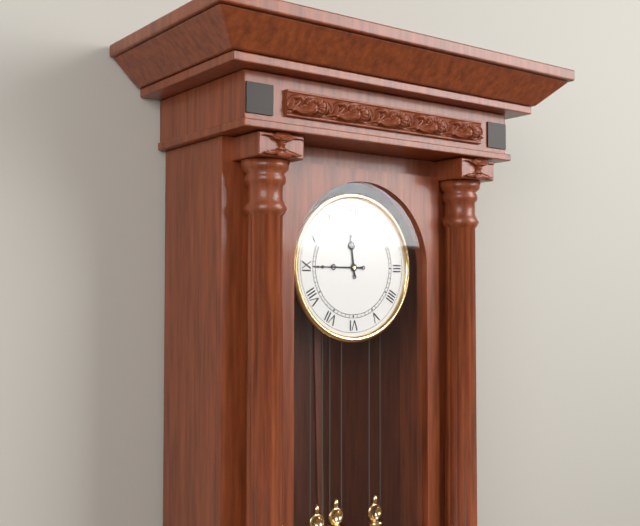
{"hour": 11, "minute": 45}
